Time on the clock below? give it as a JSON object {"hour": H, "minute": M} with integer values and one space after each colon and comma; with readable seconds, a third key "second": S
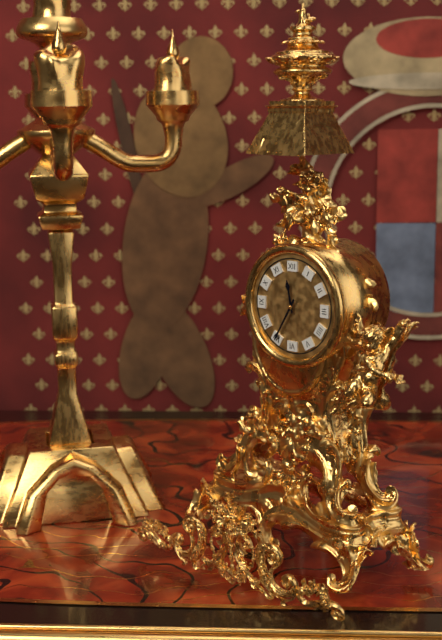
{"hour": 11, "minute": 35}
